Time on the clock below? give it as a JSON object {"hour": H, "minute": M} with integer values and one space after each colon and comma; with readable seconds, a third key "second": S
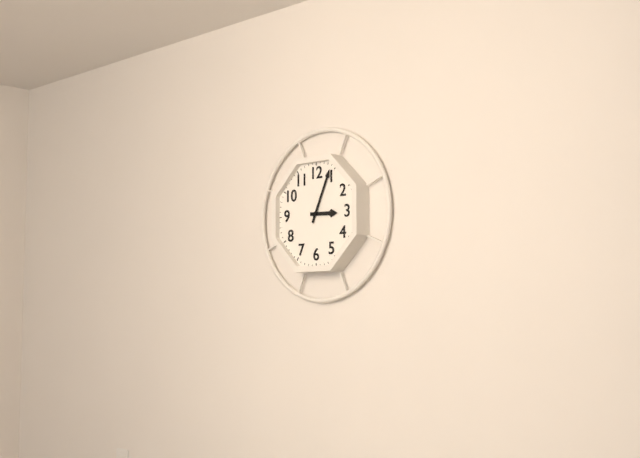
{"hour": 3, "minute": 4}
